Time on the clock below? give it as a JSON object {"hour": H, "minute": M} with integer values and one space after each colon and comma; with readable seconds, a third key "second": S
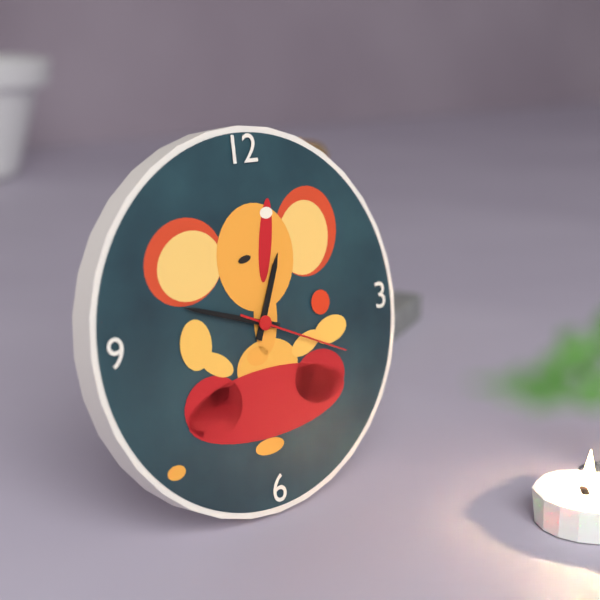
{"hour": 12, "minute": 48, "second": 19}
